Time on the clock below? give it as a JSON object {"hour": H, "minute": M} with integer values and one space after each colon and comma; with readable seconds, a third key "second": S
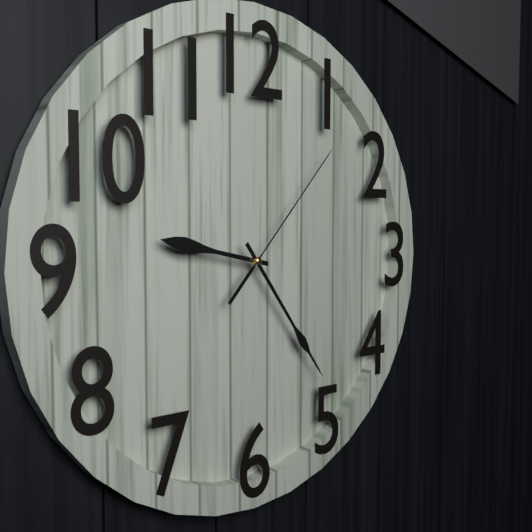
{"hour": 9, "minute": 24, "second": 7}
